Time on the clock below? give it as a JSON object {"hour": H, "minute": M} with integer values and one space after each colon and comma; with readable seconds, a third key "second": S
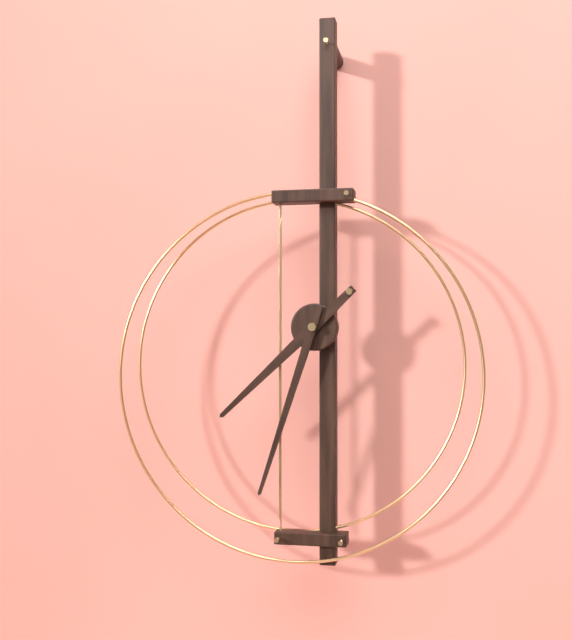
{"hour": 7, "minute": 33}
